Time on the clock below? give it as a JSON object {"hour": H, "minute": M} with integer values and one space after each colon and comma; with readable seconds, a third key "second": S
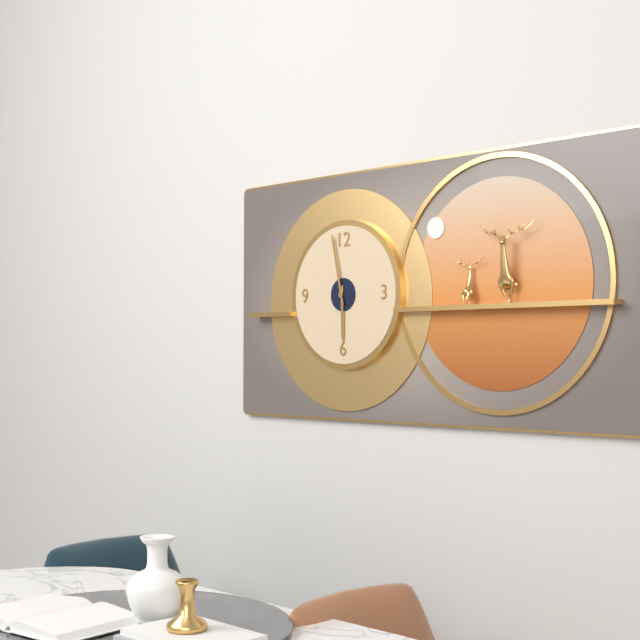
{"hour": 5, "minute": 58}
